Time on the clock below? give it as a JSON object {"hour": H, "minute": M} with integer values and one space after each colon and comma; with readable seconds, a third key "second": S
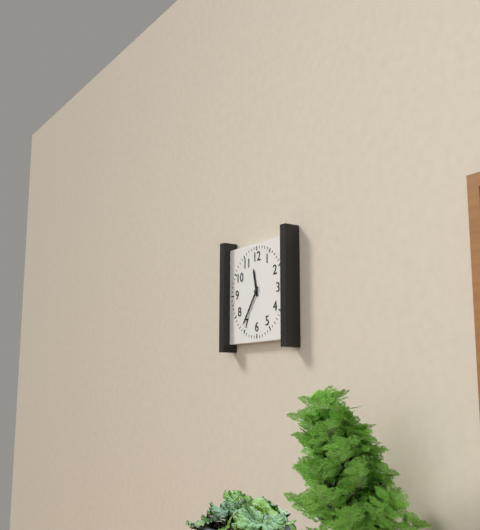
{"hour": 11, "minute": 36}
